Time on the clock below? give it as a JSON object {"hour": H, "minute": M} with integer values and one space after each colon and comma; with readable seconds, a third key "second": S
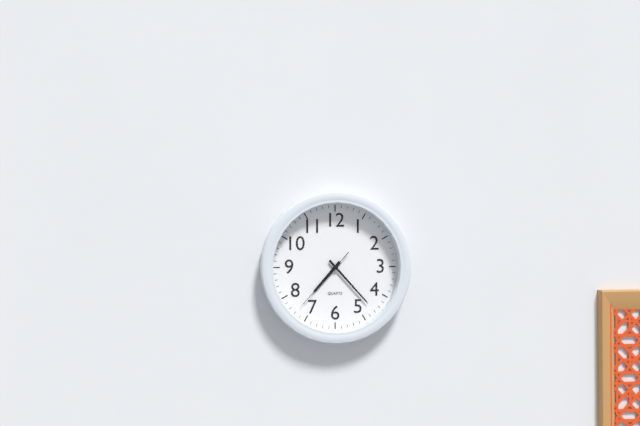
{"hour": 7, "minute": 23, "second": 37}
